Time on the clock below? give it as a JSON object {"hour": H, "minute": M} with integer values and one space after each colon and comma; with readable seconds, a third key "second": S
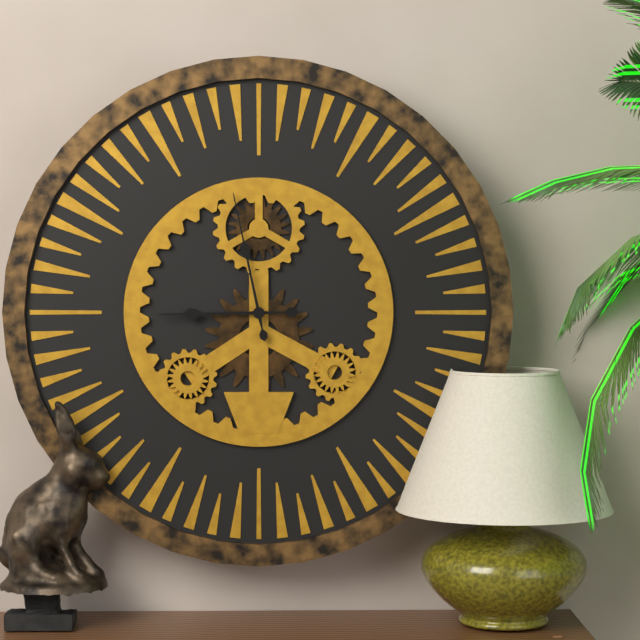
{"hour": 8, "minute": 58}
